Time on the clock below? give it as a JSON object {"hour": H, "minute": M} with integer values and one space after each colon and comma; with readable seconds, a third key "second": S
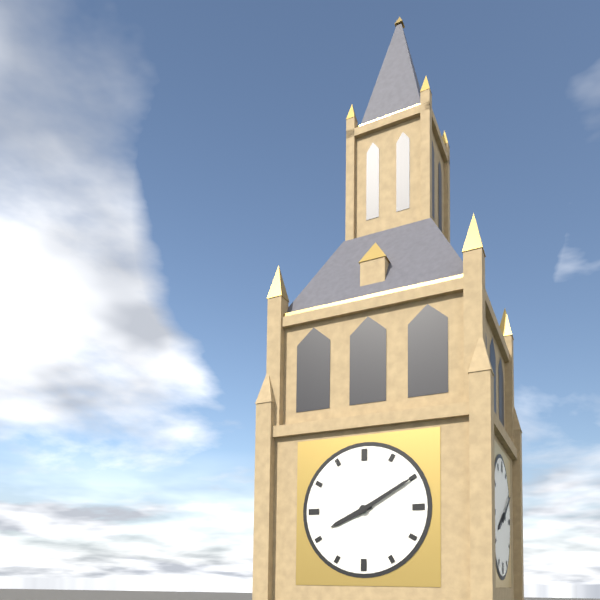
{"hour": 8, "minute": 10}
